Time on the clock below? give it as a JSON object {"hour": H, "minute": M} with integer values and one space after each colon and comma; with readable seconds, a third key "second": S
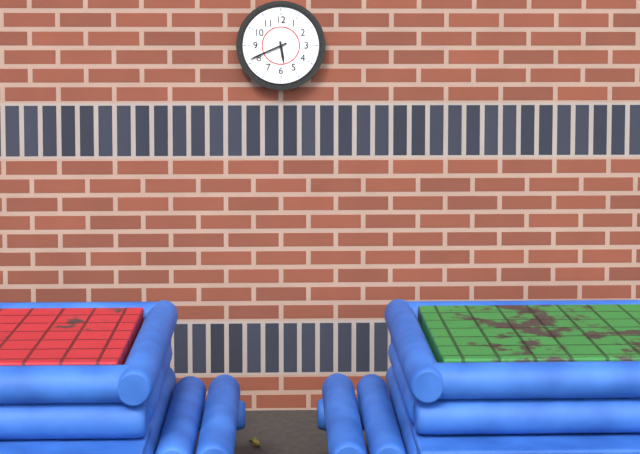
{"hour": 5, "minute": 41}
